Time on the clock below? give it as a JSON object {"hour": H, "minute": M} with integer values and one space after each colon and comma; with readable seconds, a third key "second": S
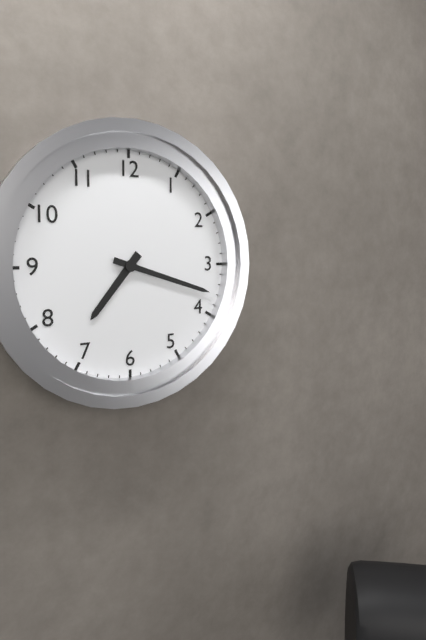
{"hour": 7, "minute": 18}
